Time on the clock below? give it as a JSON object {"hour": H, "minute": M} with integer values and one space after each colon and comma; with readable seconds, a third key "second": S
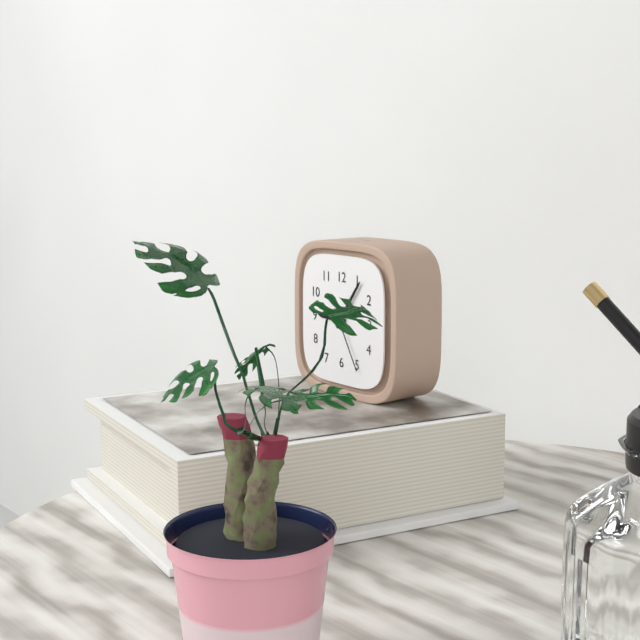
{"hour": 9, "minute": 6, "second": 25}
